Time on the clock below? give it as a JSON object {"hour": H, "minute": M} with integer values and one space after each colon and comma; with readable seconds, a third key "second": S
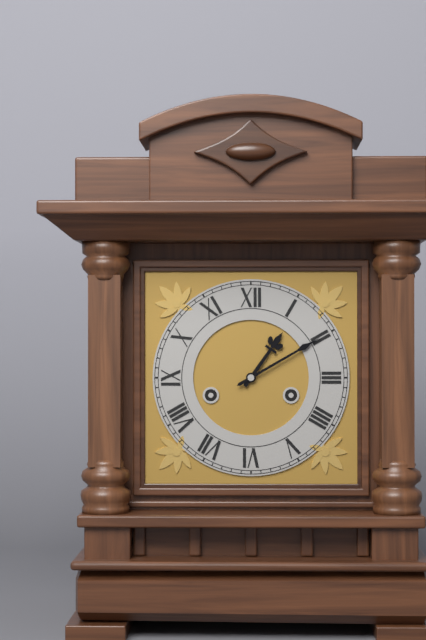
{"hour": 1, "minute": 10}
